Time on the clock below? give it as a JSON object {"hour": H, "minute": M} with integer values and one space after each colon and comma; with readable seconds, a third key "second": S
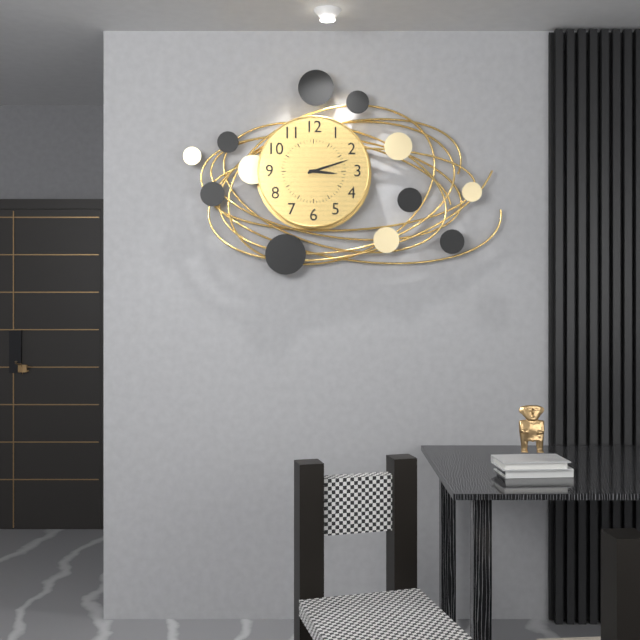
{"hour": 3, "minute": 12}
